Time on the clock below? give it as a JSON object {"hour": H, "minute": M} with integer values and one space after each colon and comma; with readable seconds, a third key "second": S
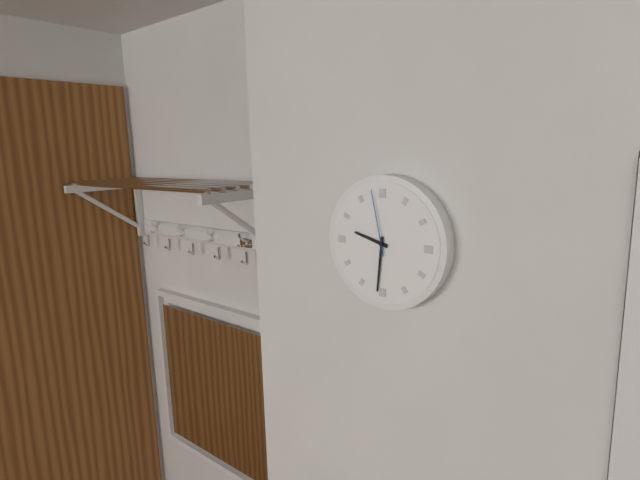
{"hour": 9, "minute": 31, "second": 58}
